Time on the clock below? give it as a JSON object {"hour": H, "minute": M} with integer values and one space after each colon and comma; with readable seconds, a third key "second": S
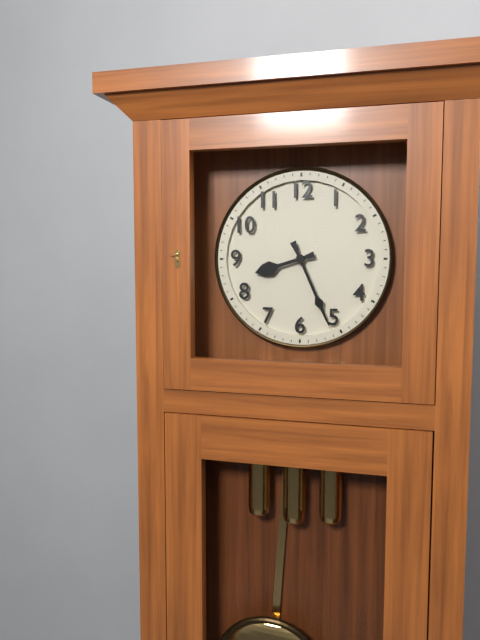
{"hour": 8, "minute": 26}
